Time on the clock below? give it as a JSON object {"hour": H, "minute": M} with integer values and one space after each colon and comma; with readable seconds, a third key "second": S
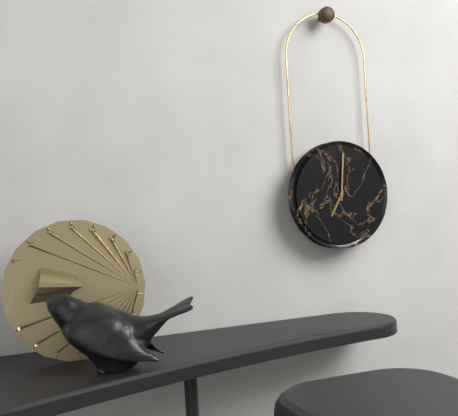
{"hour": 7, "minute": 1}
